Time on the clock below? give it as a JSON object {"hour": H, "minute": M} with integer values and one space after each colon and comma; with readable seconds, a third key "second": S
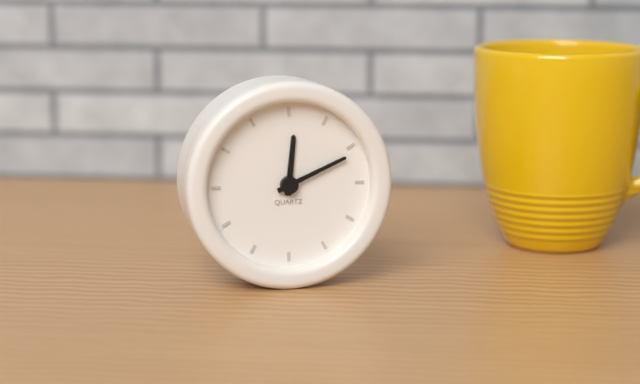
{"hour": 12, "minute": 11}
